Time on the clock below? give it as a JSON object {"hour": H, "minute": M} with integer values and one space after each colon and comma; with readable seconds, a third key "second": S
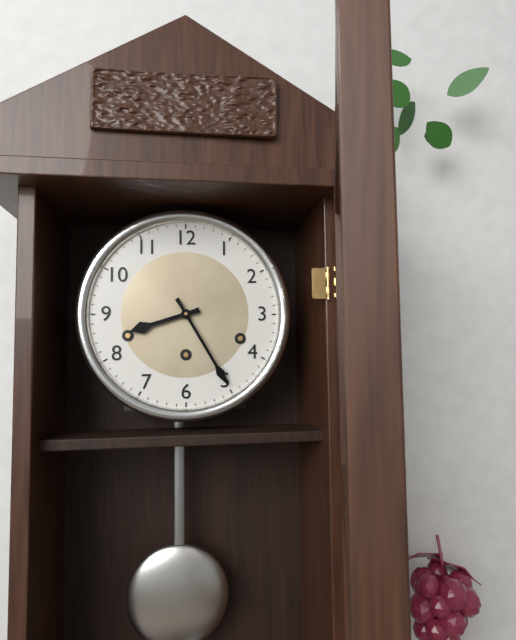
{"hour": 8, "minute": 25}
